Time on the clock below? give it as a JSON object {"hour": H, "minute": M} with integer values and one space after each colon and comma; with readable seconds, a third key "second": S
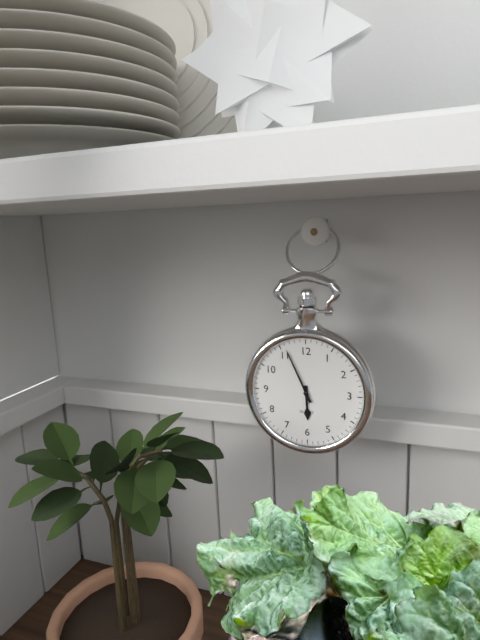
{"hour": 5, "minute": 56}
